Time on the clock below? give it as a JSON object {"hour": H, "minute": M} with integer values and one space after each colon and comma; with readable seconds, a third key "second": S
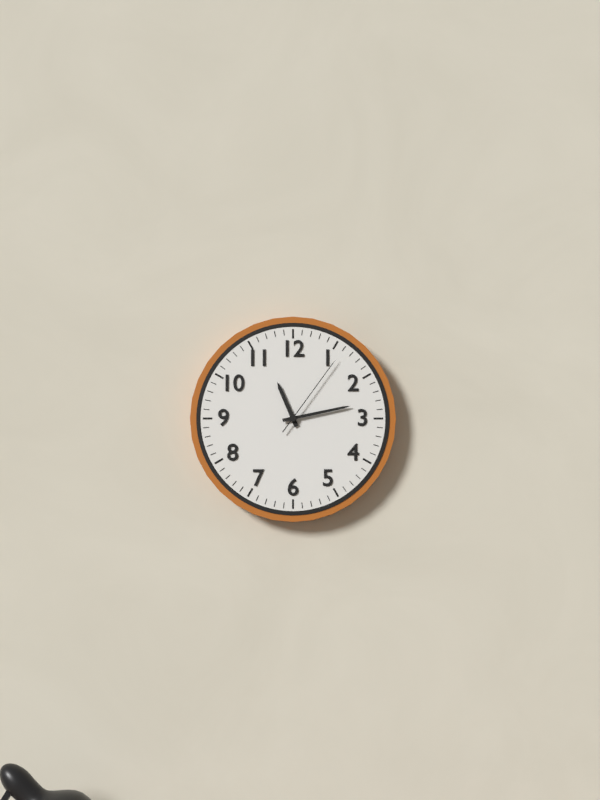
{"hour": 11, "minute": 13, "second": 6}
